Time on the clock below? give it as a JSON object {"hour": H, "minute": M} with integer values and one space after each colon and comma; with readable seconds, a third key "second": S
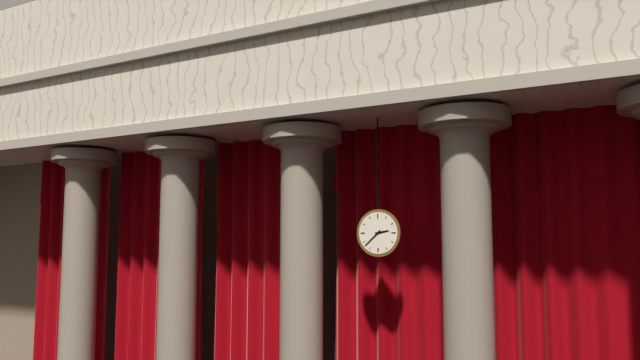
{"hour": 2, "minute": 38}
